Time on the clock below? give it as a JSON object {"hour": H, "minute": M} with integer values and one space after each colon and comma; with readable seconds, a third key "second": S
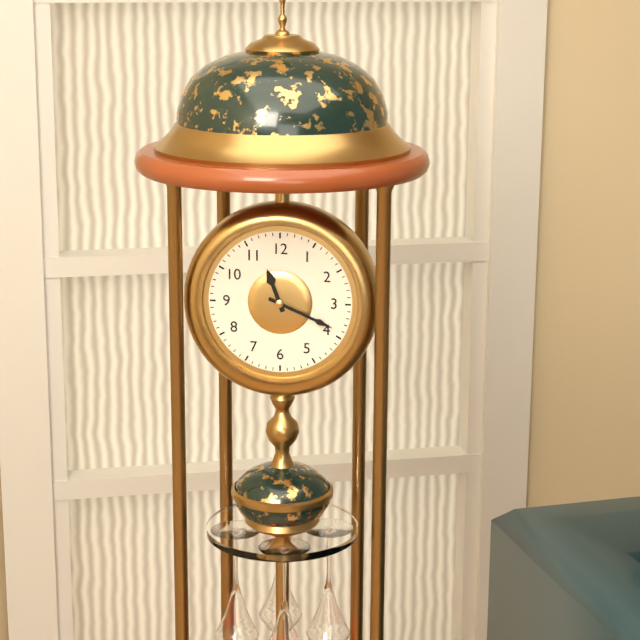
{"hour": 11, "minute": 19}
